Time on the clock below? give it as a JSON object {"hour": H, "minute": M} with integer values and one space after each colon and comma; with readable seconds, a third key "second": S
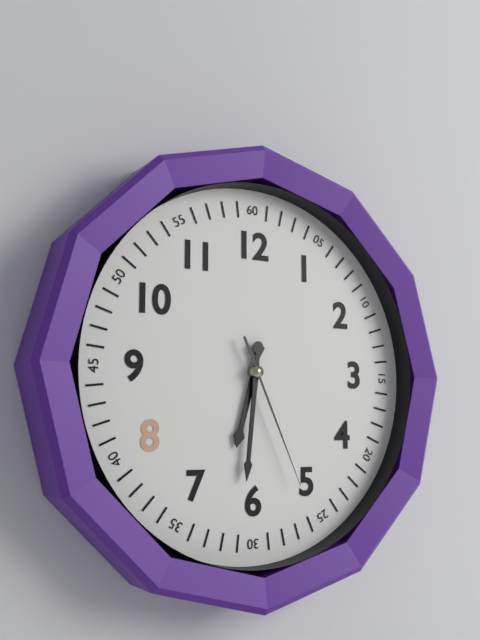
{"hour": 6, "minute": 31, "second": 26}
